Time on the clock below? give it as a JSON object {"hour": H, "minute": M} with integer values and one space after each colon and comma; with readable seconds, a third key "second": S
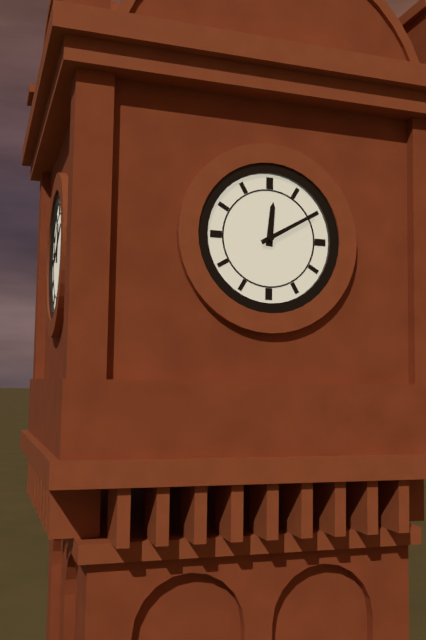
{"hour": 12, "minute": 10}
